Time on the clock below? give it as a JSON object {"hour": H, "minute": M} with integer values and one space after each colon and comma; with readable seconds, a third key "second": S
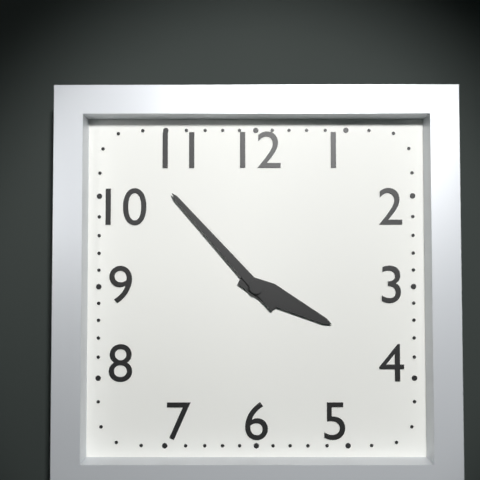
{"hour": 3, "minute": 53}
